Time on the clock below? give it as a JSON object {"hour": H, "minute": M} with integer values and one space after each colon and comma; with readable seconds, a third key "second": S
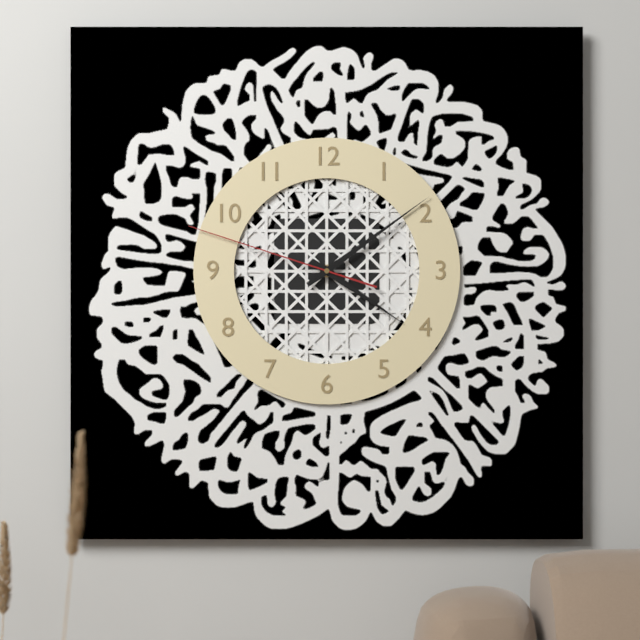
{"hour": 4, "minute": 9, "second": 48}
